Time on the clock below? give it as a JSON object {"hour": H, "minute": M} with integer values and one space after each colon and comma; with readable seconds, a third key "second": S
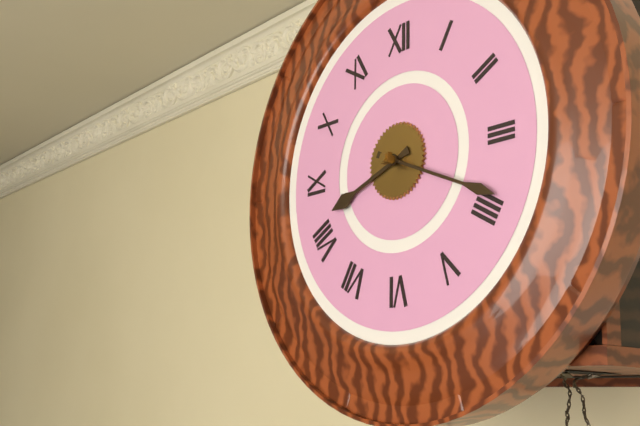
{"hour": 8, "minute": 19}
